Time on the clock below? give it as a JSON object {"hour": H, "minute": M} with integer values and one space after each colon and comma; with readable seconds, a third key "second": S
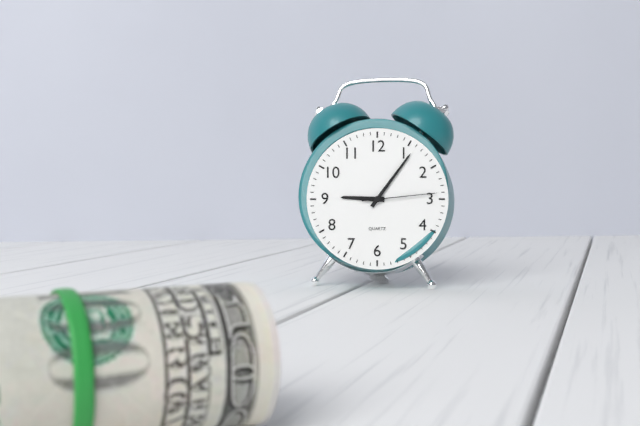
{"hour": 9, "minute": 6, "second": 14}
